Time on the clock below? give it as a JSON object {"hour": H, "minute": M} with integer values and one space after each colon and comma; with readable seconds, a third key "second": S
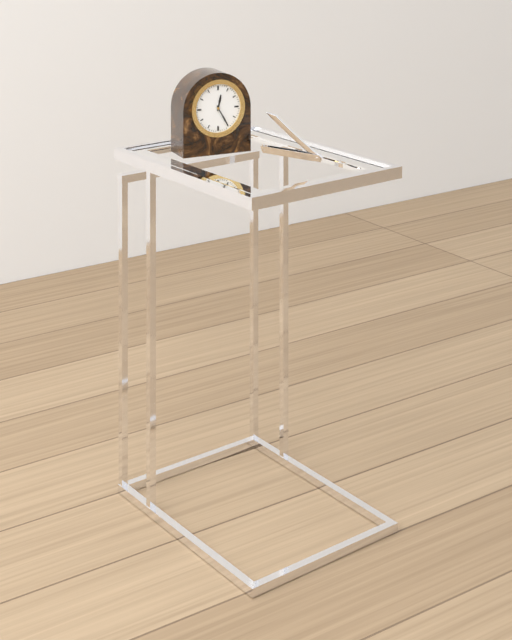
{"hour": 12, "minute": 25}
